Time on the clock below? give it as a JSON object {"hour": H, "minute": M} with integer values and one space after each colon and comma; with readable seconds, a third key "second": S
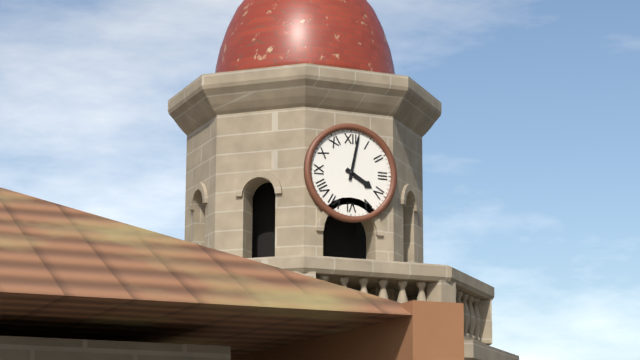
{"hour": 4, "minute": 2}
